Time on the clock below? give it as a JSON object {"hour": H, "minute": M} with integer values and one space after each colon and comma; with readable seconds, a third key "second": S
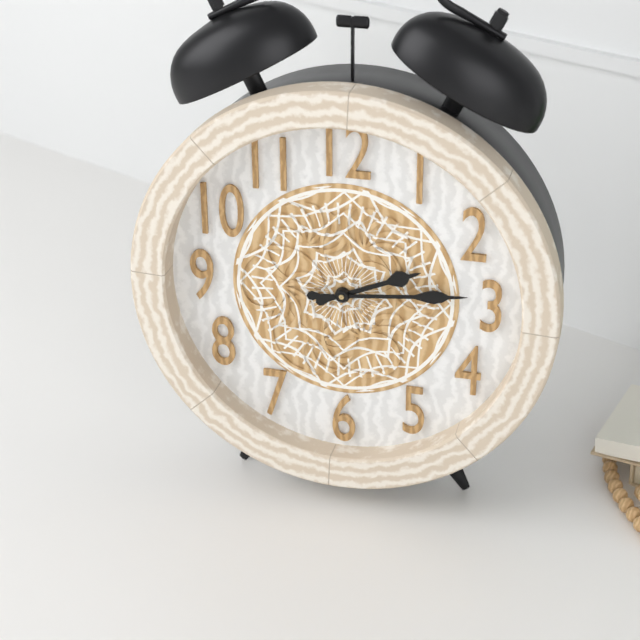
{"hour": 2, "minute": 14}
